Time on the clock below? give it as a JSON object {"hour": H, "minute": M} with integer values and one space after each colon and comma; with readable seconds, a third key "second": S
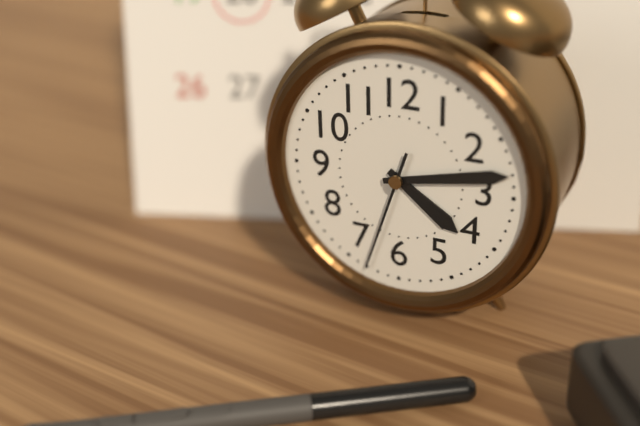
{"hour": 4, "minute": 13, "second": 33}
